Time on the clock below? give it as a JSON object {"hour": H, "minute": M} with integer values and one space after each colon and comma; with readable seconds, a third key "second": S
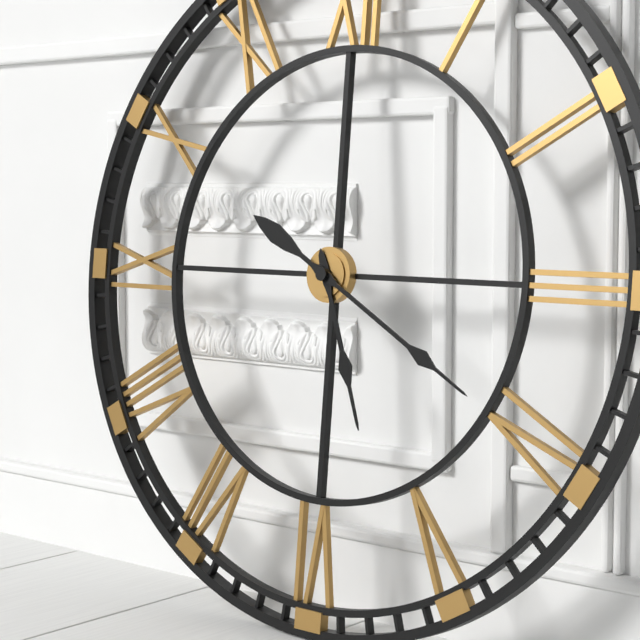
{"hour": 5, "minute": 20}
